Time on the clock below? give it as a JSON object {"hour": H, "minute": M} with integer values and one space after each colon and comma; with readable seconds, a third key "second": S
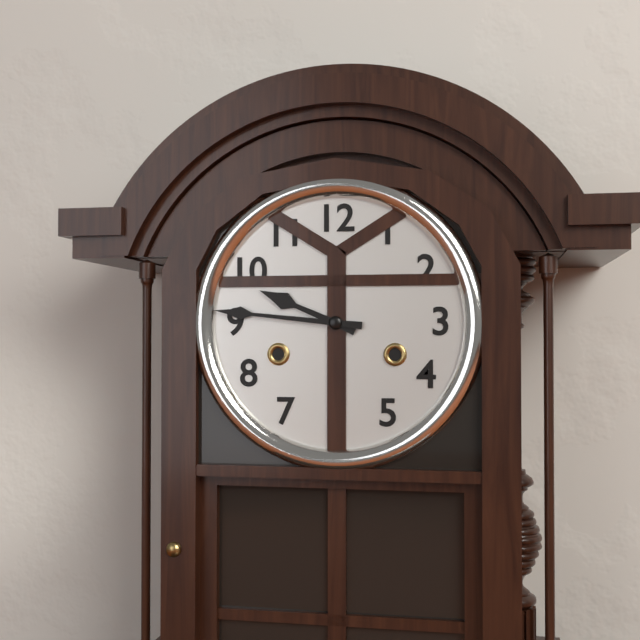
{"hour": 9, "minute": 46}
